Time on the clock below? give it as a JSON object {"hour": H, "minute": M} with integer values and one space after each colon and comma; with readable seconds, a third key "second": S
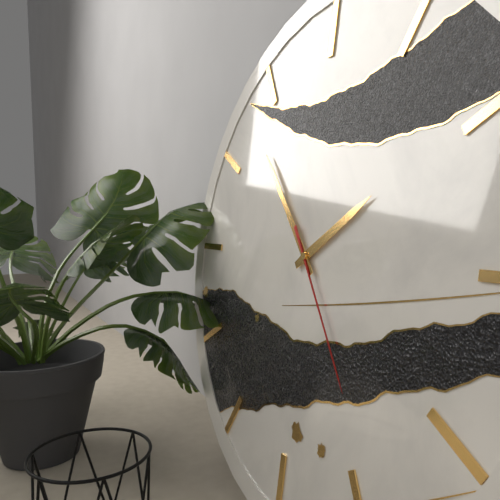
{"hour": 1, "minute": 53, "second": 24}
